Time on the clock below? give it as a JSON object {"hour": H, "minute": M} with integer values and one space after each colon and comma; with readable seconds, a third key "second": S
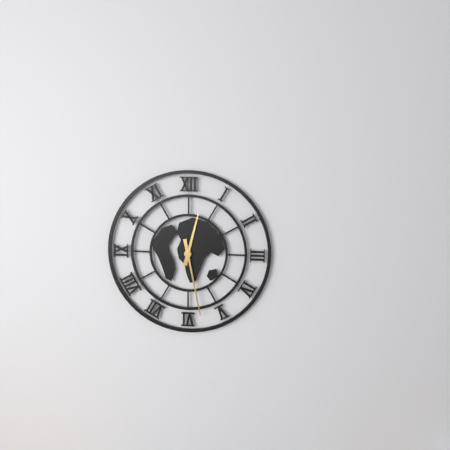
{"hour": 12, "minute": 28}
